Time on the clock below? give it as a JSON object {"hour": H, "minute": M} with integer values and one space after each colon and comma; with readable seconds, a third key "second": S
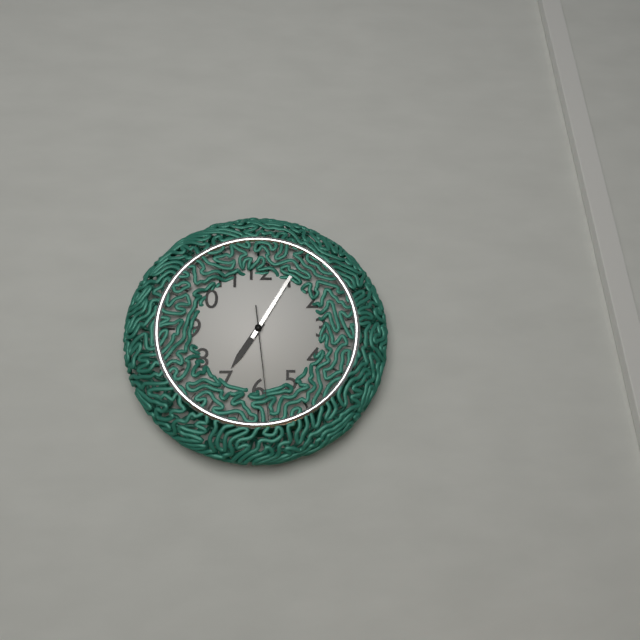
{"hour": 7, "minute": 5, "second": 29}
